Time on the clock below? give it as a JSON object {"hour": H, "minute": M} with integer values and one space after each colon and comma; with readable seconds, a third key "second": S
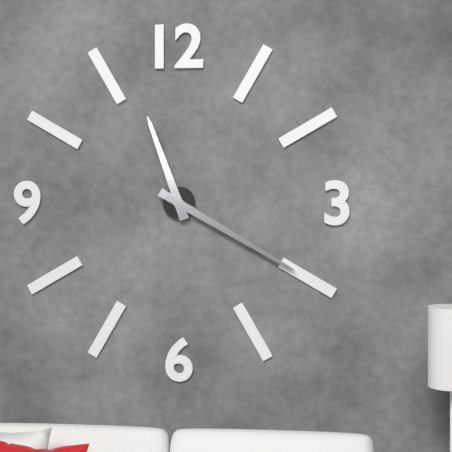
{"hour": 11, "minute": 20}
